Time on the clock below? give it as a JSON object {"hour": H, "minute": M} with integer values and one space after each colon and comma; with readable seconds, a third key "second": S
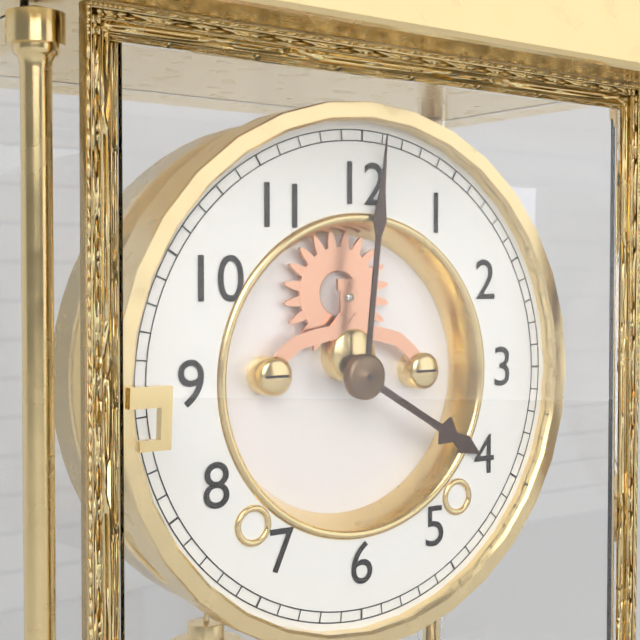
{"hour": 4, "minute": 1}
